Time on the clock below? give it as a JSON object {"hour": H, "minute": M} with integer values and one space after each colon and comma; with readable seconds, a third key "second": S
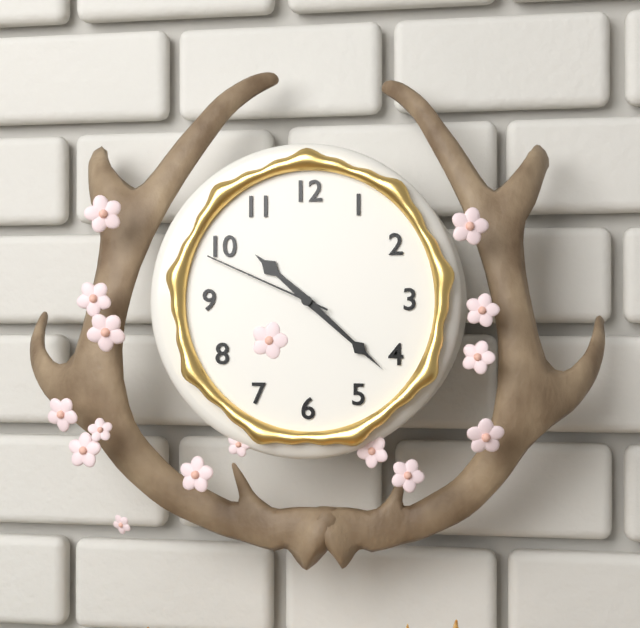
{"hour": 10, "minute": 22, "second": 49}
